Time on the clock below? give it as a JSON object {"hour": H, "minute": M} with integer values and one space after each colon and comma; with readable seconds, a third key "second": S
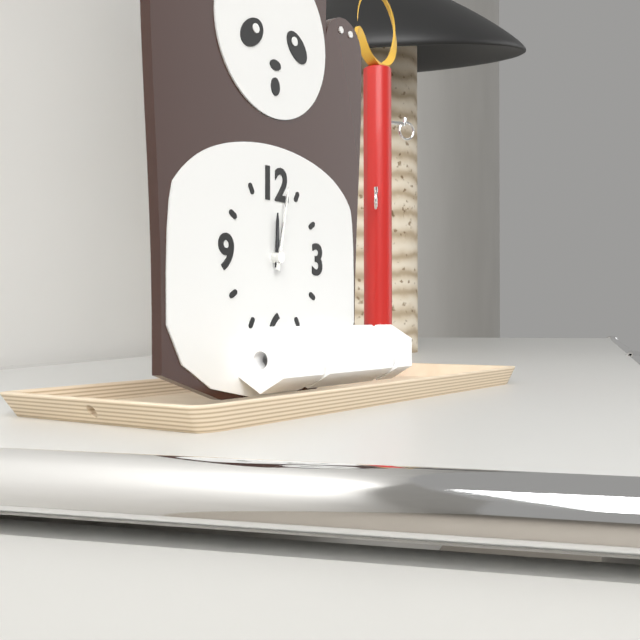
{"hour": 12, "minute": 2}
